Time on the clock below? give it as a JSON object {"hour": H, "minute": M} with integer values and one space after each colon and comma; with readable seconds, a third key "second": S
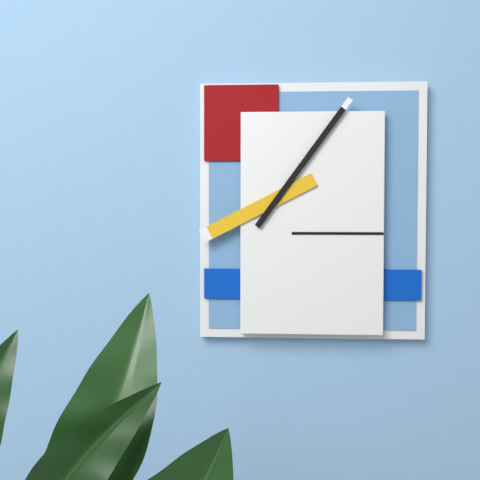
{"hour": 8, "minute": 6}
